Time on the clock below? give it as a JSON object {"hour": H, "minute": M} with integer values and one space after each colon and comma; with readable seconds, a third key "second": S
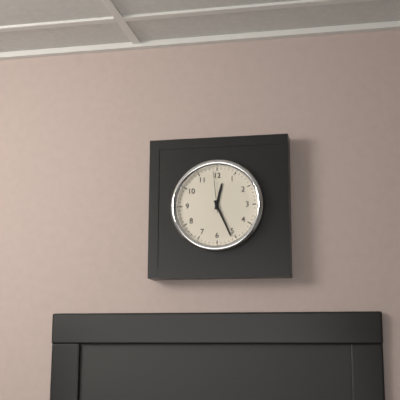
{"hour": 12, "minute": 26}
